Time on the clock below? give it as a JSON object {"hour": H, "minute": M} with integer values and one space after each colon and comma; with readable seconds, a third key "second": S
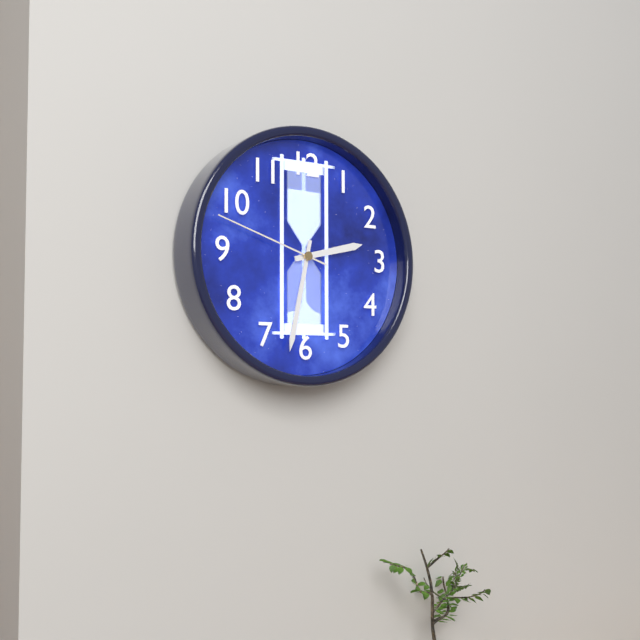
{"hour": 2, "minute": 32, "second": 48}
